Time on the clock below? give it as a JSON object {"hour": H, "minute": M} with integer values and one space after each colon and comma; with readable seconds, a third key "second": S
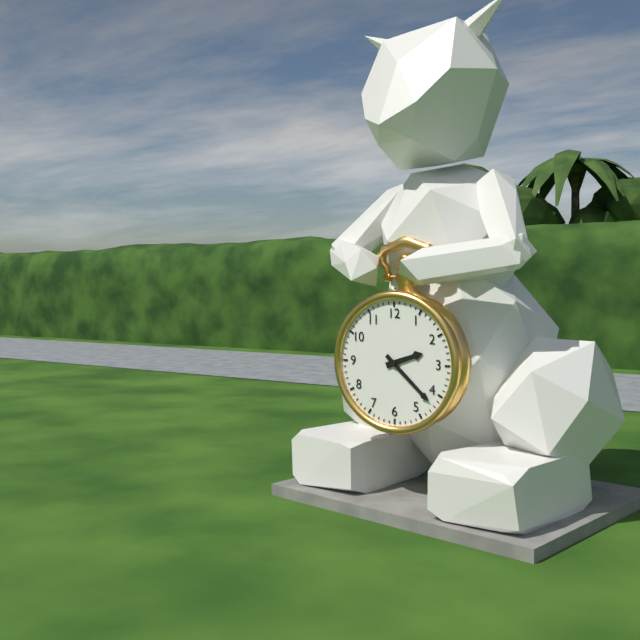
{"hour": 2, "minute": 22}
